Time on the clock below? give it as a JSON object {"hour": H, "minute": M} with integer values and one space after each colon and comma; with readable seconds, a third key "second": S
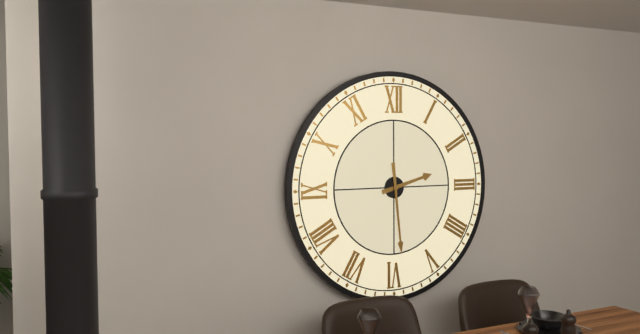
{"hour": 2, "minute": 29}
